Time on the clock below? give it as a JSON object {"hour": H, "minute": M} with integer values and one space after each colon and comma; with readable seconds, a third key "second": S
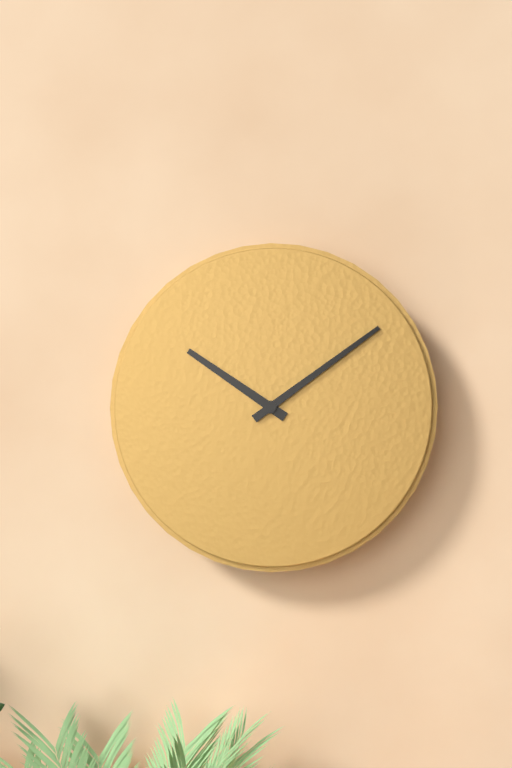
{"hour": 10, "minute": 9}
